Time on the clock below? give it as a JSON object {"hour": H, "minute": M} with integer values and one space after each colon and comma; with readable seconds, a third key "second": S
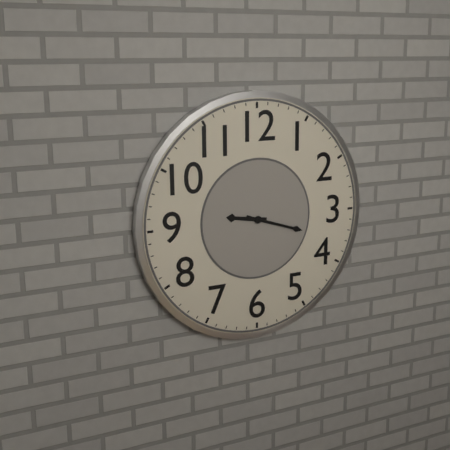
{"hour": 9, "minute": 18}
